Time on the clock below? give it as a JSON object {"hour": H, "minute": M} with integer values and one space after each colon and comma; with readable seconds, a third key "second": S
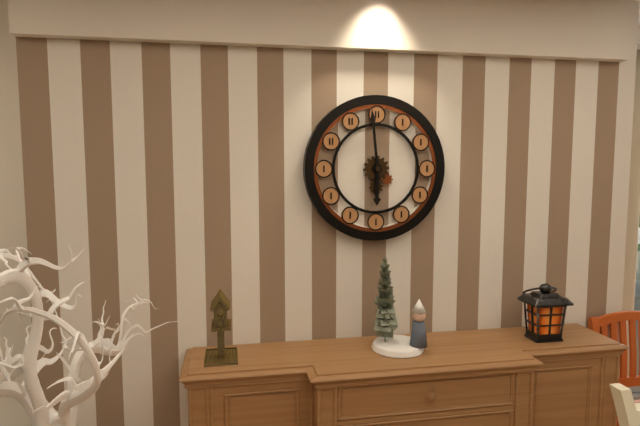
{"hour": 5, "minute": 59}
